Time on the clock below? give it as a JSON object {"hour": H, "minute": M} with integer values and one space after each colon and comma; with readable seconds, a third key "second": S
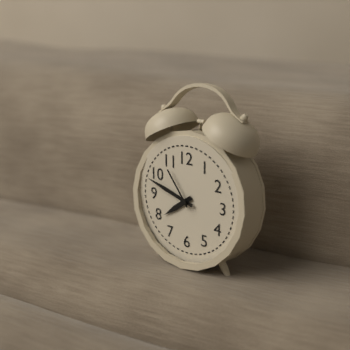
{"hour": 7, "minute": 48}
